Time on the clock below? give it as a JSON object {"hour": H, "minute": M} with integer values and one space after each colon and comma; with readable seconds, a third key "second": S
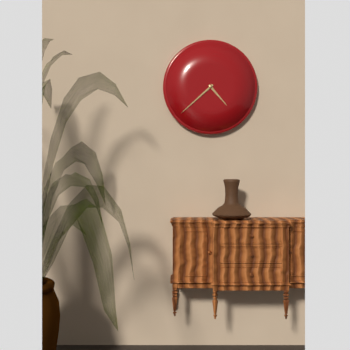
{"hour": 4, "minute": 38}
